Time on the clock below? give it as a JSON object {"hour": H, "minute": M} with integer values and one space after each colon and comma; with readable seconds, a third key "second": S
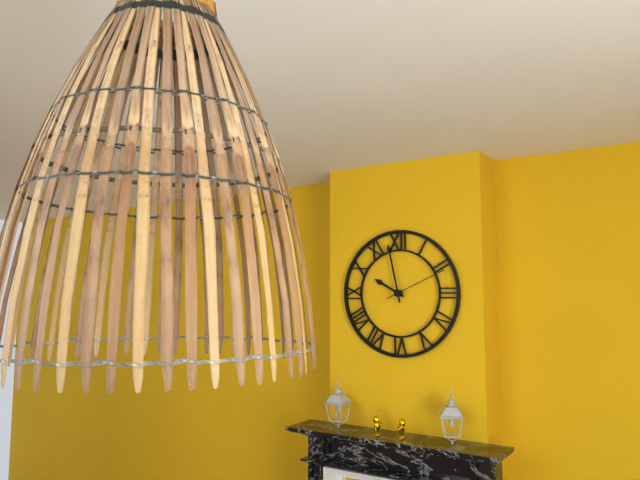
{"hour": 9, "minute": 58, "second": 11}
